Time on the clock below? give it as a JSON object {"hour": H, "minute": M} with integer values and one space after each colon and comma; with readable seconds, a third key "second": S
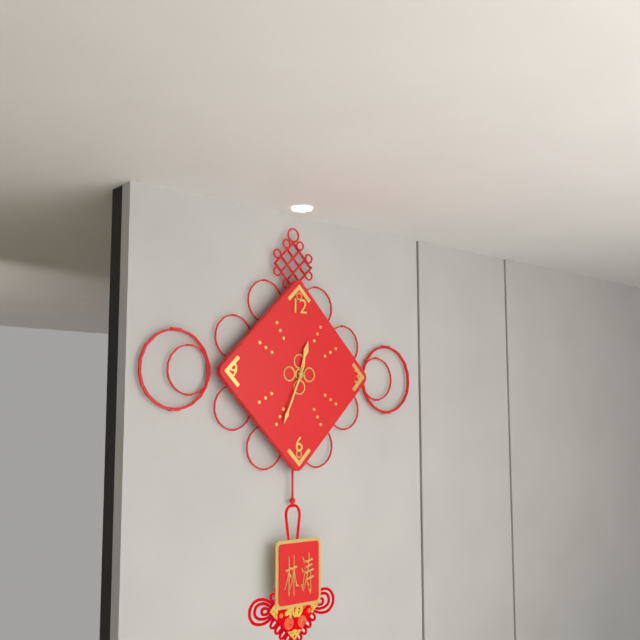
{"hour": 12, "minute": 34}
